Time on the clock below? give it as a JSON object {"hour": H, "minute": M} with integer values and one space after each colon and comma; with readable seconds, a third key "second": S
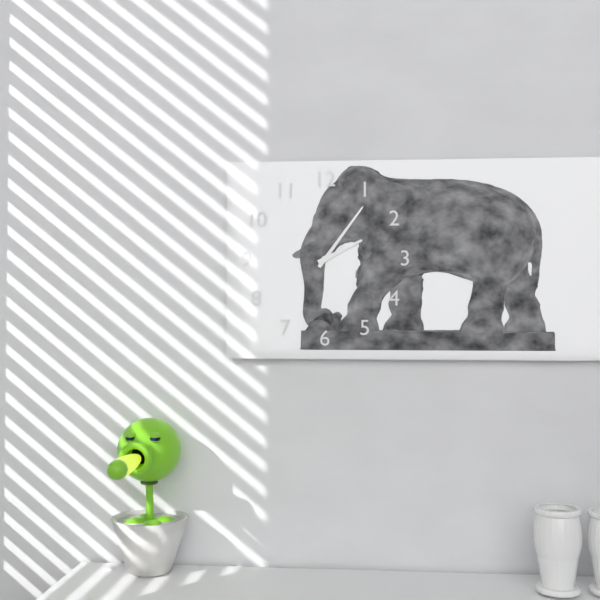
{"hour": 2, "minute": 6}
